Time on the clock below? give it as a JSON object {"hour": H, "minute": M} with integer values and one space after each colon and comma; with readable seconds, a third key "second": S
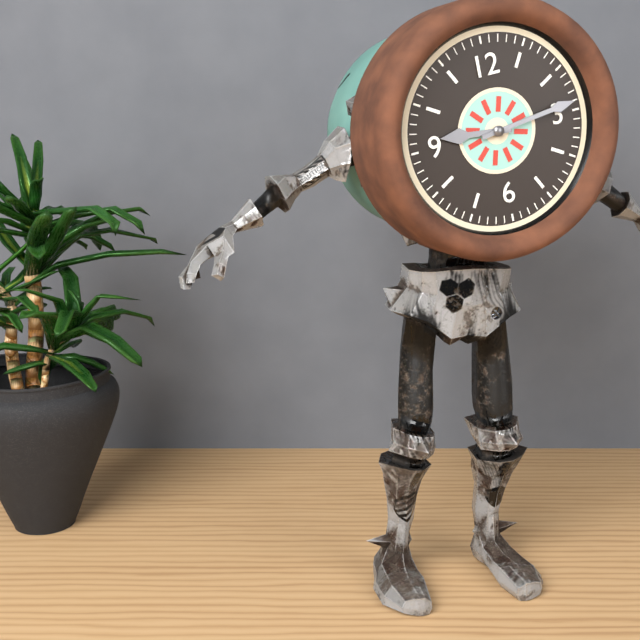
{"hour": 9, "minute": 14}
